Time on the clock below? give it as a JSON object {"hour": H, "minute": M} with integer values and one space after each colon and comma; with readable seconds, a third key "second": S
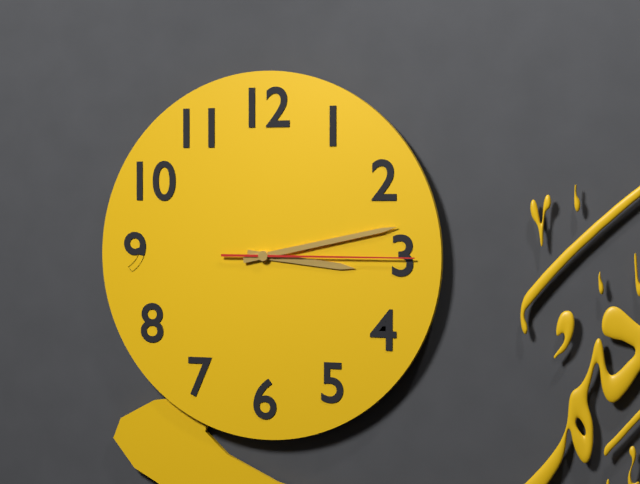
{"hour": 3, "minute": 13, "second": 15}
